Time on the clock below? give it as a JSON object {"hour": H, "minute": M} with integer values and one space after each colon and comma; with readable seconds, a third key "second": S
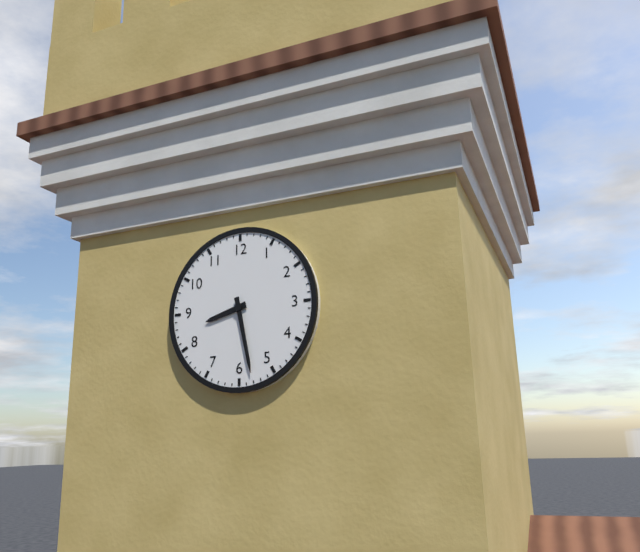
{"hour": 8, "minute": 28}
